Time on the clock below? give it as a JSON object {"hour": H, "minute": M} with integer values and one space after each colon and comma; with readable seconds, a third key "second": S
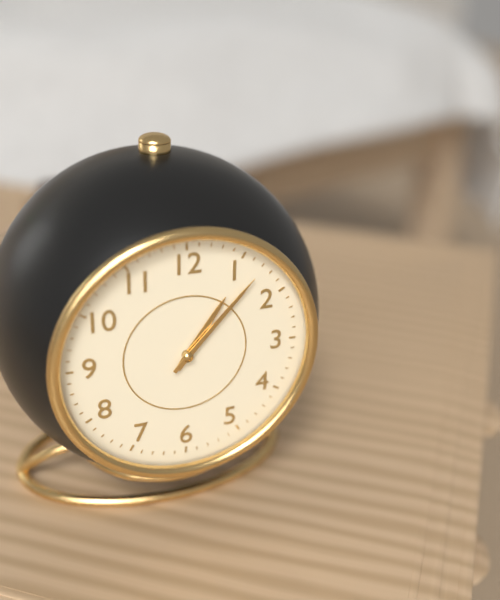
{"hour": 1, "minute": 7}
